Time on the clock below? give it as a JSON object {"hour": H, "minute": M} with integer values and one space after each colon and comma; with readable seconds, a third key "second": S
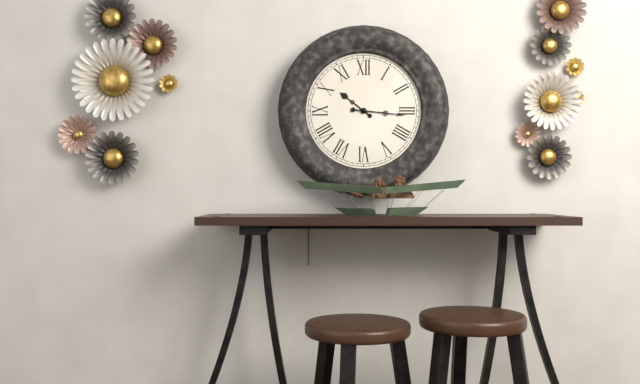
{"hour": 10, "minute": 16}
